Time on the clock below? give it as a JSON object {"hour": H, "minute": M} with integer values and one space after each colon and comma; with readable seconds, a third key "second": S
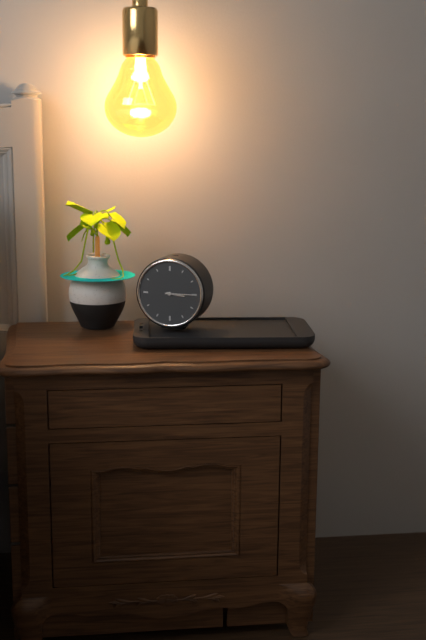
{"hour": 3, "minute": 15}
